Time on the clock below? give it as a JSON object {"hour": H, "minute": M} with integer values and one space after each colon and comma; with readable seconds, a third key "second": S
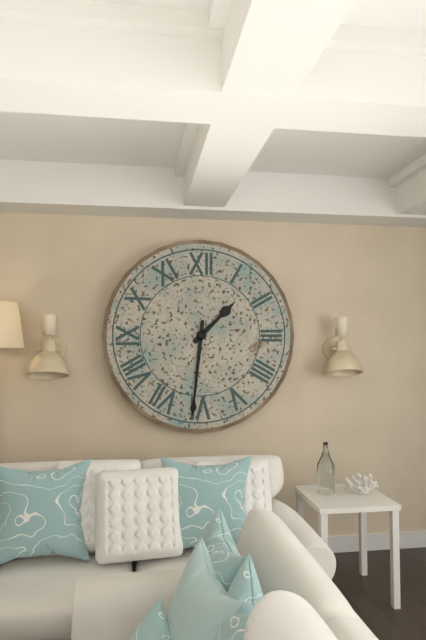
{"hour": 1, "minute": 31}
